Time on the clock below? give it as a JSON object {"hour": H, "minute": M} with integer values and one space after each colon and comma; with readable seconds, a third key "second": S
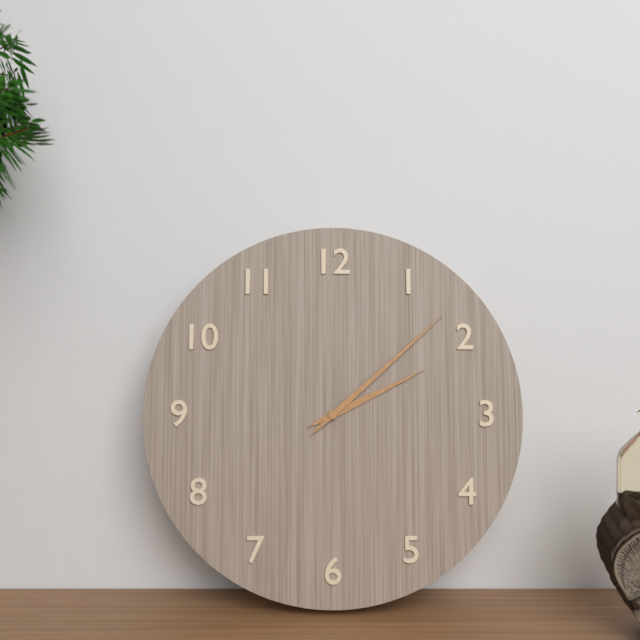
{"hour": 2, "minute": 8}
